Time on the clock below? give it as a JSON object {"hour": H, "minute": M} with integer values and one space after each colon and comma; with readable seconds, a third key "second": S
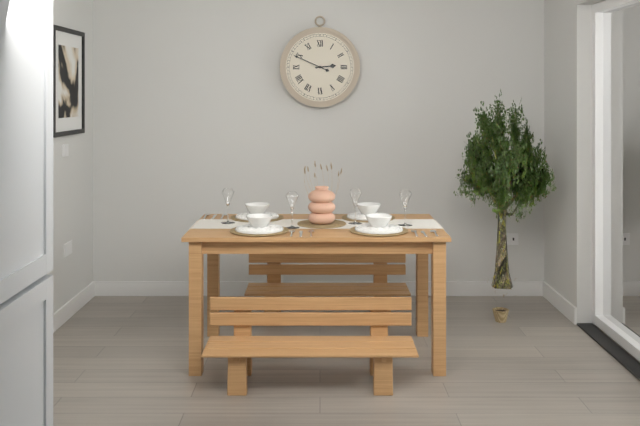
{"hour": 2, "minute": 49}
